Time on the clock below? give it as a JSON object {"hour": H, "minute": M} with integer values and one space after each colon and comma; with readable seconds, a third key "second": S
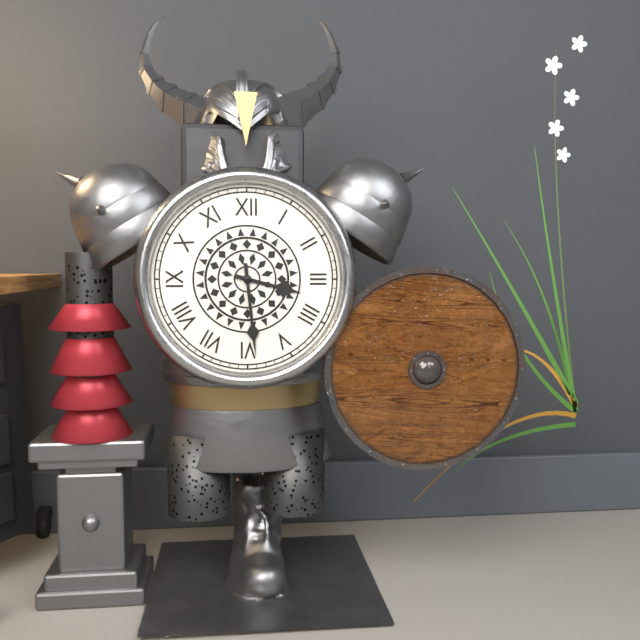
{"hour": 3, "minute": 29}
